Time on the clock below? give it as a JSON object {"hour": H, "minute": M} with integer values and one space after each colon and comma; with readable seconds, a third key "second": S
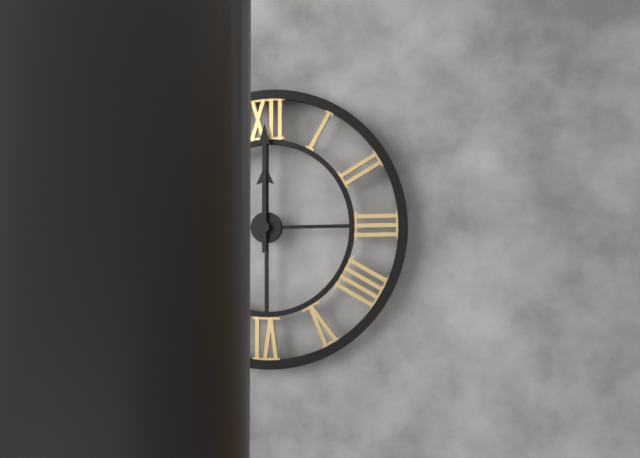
{"hour": 12, "minute": 0}
